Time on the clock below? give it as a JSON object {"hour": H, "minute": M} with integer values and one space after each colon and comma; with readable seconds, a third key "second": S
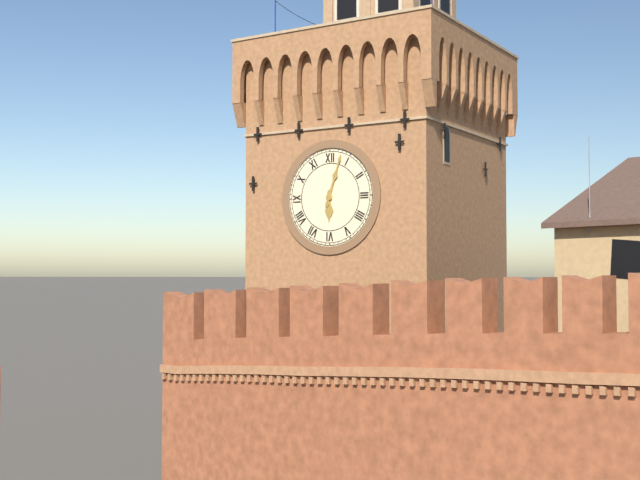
{"hour": 6, "minute": 3}
